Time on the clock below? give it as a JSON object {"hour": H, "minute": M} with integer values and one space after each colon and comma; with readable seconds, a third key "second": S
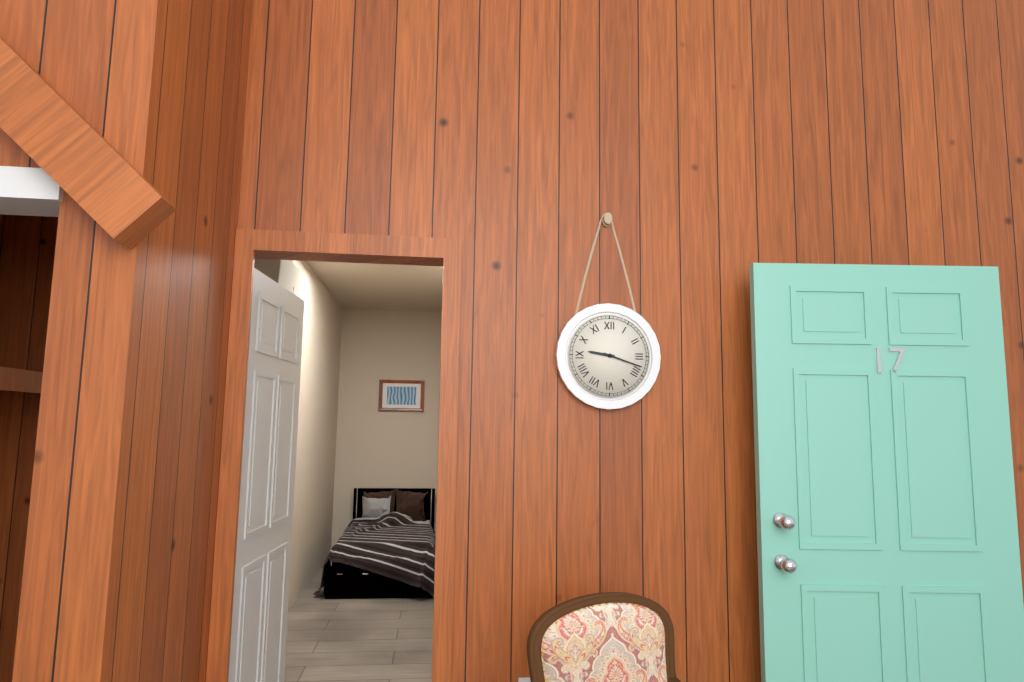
{"hour": 9, "minute": 18}
